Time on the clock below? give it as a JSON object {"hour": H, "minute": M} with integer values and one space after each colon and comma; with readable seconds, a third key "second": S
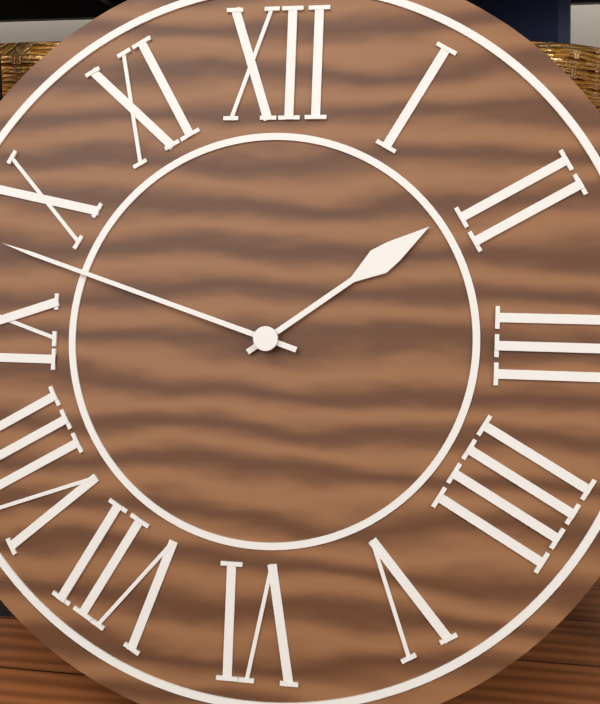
{"hour": 1, "minute": 48}
